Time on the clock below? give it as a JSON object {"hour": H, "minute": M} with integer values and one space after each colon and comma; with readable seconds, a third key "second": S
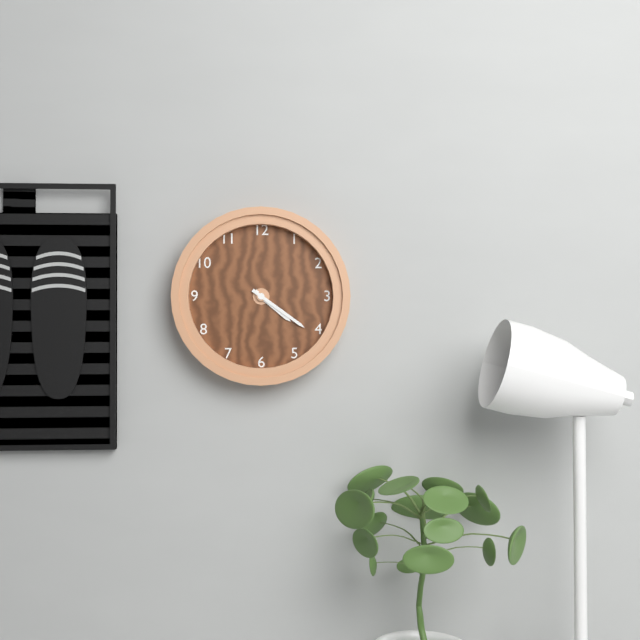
{"hour": 4, "minute": 21}
